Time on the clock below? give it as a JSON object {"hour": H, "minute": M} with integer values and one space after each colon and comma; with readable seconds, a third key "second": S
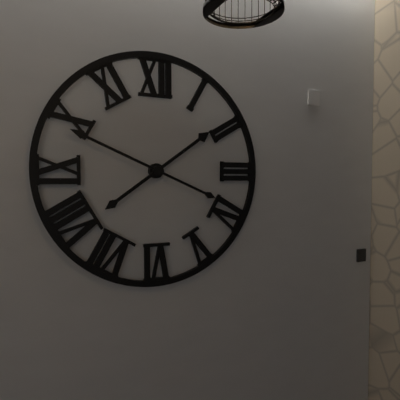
{"hour": 1, "minute": 49}
